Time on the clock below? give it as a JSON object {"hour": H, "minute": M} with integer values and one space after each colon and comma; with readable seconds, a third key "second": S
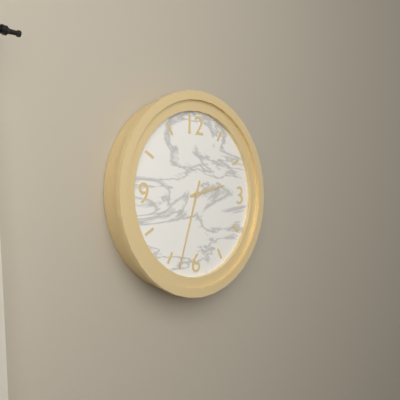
{"hour": 2, "minute": 33}
